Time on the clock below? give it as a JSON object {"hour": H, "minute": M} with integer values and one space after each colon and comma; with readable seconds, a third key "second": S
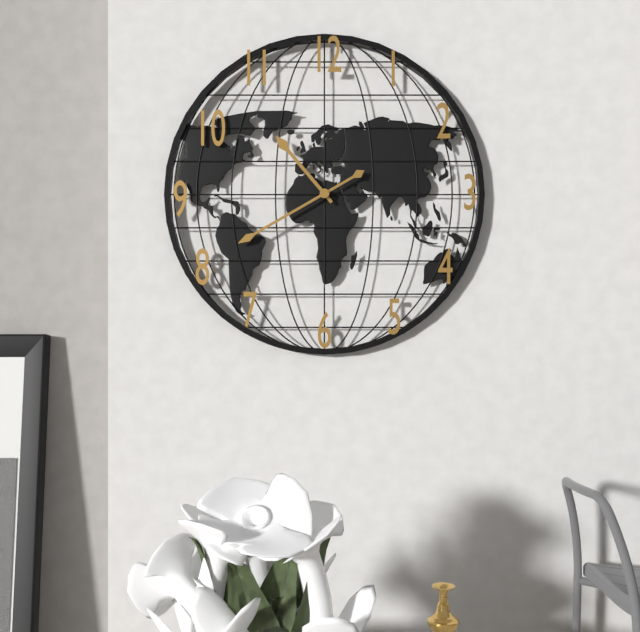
{"hour": 10, "minute": 40}
